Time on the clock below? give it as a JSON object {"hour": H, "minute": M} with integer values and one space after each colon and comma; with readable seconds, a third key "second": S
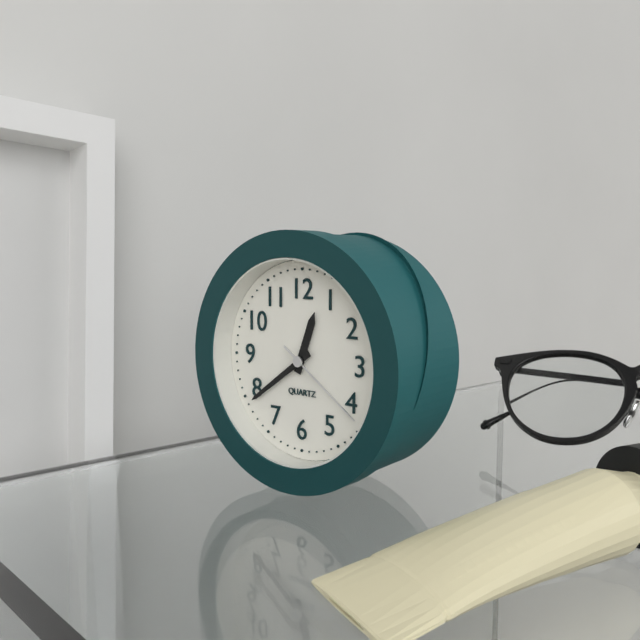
{"hour": 12, "minute": 39, "second": 21}
